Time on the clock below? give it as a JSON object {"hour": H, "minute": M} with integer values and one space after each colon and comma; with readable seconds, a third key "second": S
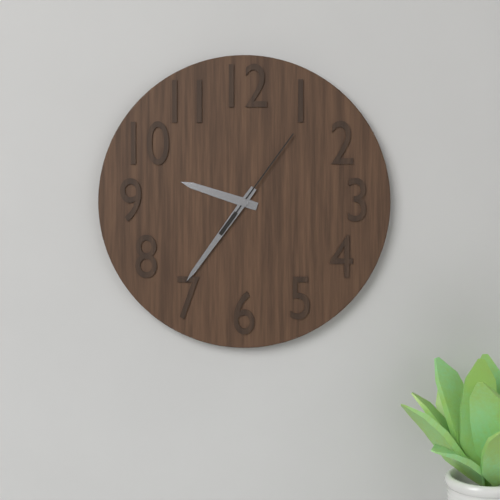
{"hour": 9, "minute": 36, "second": 6}
